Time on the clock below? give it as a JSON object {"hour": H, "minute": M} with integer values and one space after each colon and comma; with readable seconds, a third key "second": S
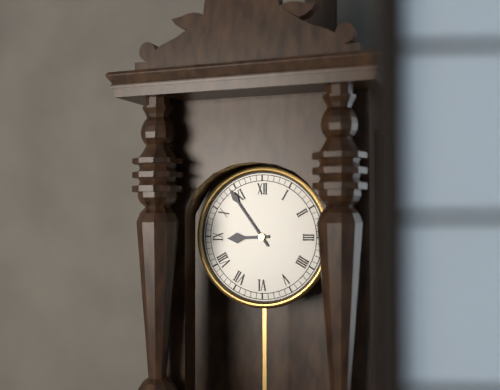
{"hour": 8, "minute": 54}
